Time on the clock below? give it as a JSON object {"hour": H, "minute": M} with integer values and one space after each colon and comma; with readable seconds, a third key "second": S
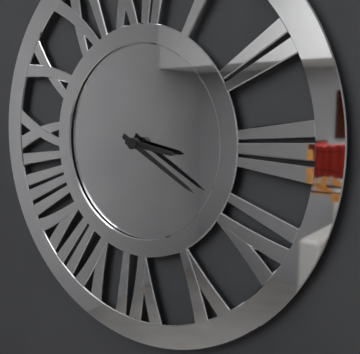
{"hour": 3, "minute": 20}
